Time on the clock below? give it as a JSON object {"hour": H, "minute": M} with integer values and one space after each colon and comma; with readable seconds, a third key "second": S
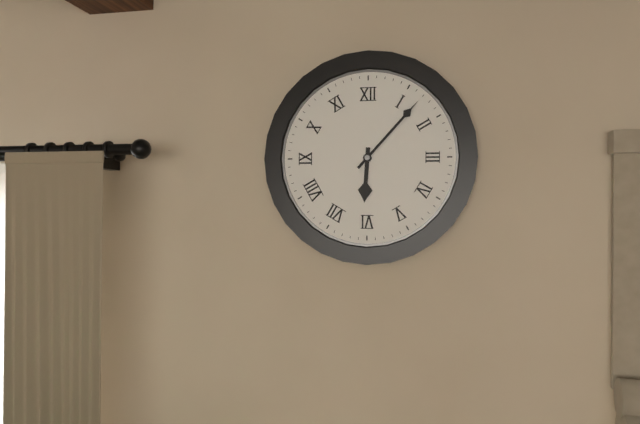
{"hour": 6, "minute": 7}
